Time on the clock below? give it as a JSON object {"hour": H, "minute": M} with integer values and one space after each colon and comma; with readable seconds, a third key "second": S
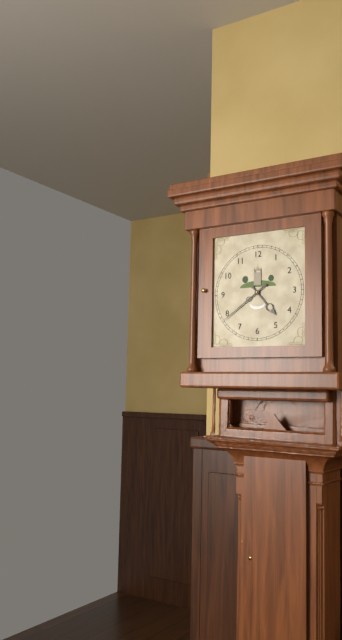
{"hour": 4, "minute": 39}
